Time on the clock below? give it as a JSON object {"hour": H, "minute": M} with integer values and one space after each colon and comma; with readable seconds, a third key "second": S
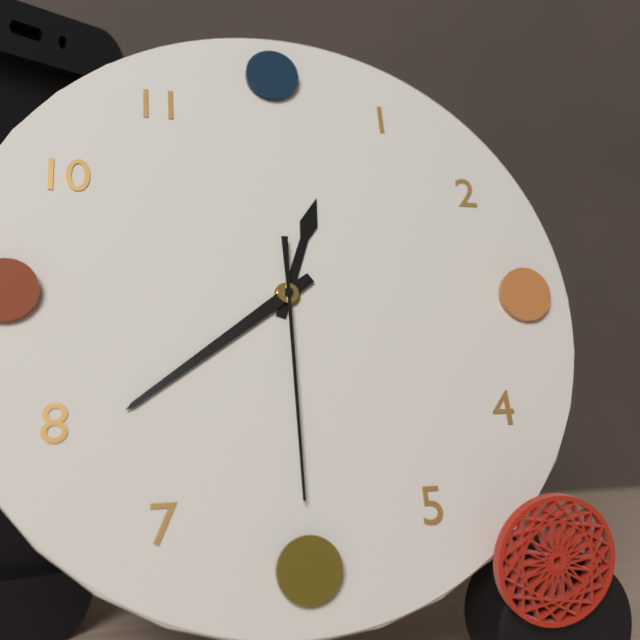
{"hour": 12, "minute": 39, "second": 30}
